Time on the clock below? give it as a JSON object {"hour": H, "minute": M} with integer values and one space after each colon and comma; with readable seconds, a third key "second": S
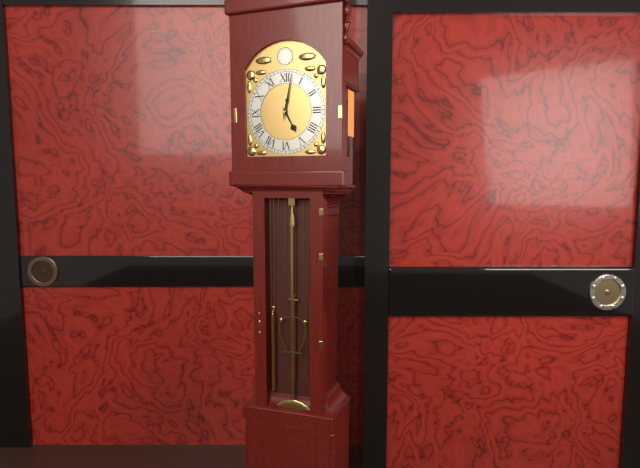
{"hour": 5, "minute": 2}
